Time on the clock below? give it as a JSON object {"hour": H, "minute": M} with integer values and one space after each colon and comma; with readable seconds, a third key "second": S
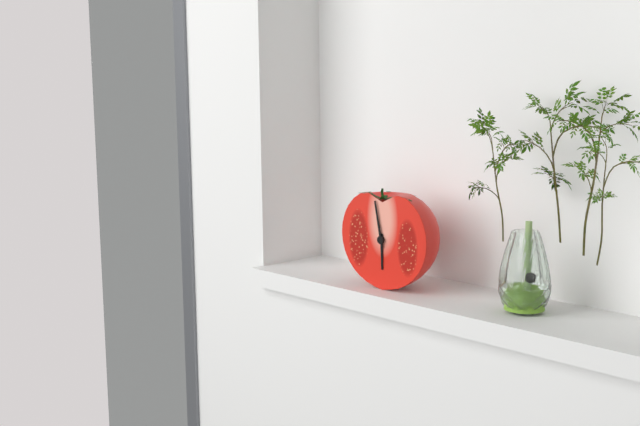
{"hour": 5, "minute": 58}
